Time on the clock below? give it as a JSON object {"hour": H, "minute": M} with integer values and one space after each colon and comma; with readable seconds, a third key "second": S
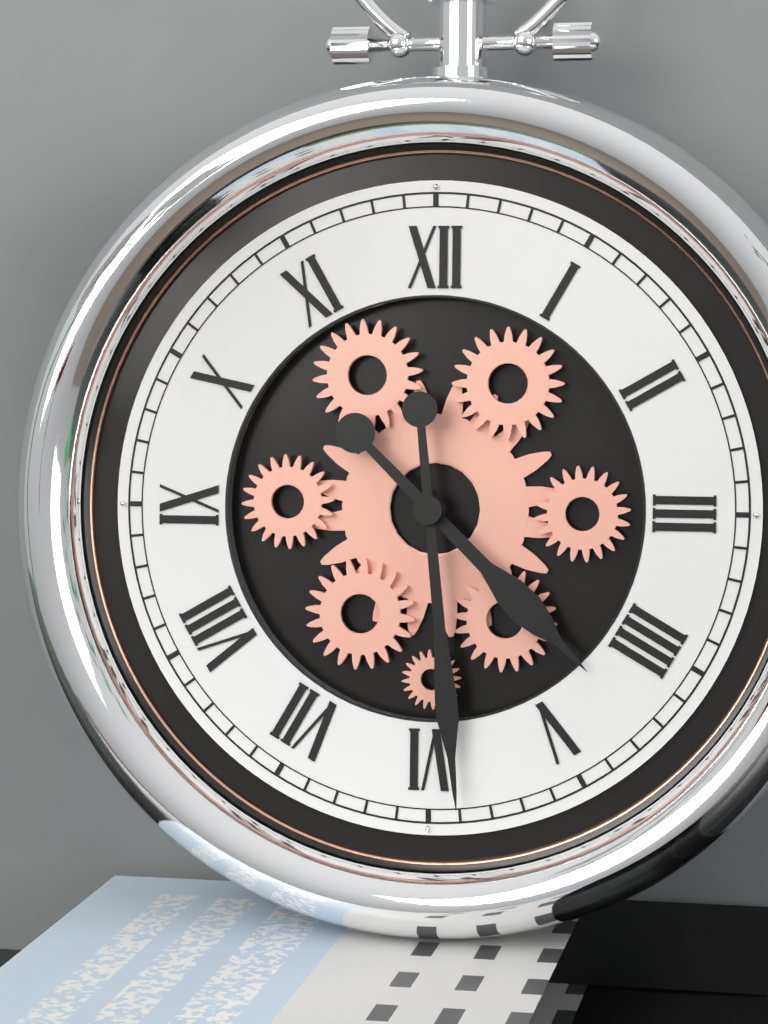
{"hour": 4, "minute": 29}
